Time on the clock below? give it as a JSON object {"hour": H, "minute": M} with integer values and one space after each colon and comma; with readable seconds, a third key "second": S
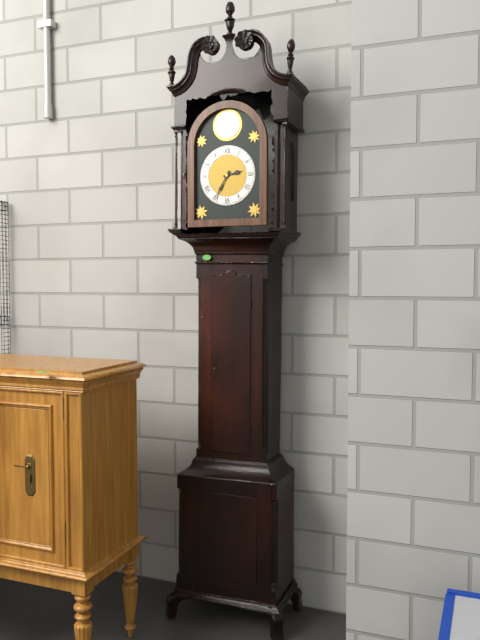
{"hour": 2, "minute": 35}
